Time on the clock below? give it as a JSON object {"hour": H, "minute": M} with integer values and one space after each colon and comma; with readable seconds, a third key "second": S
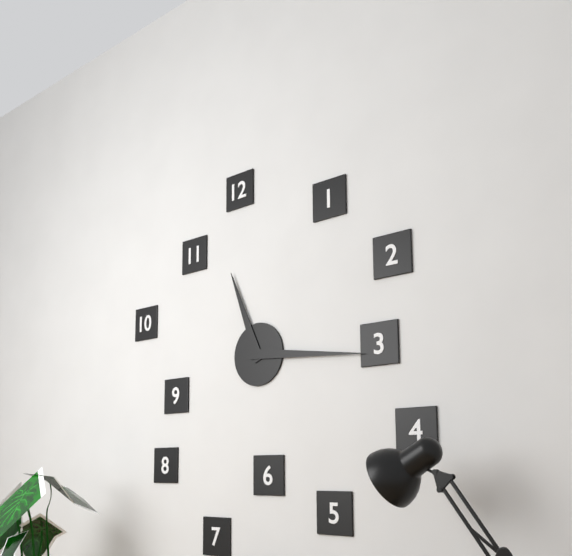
{"hour": 11, "minute": 16}
